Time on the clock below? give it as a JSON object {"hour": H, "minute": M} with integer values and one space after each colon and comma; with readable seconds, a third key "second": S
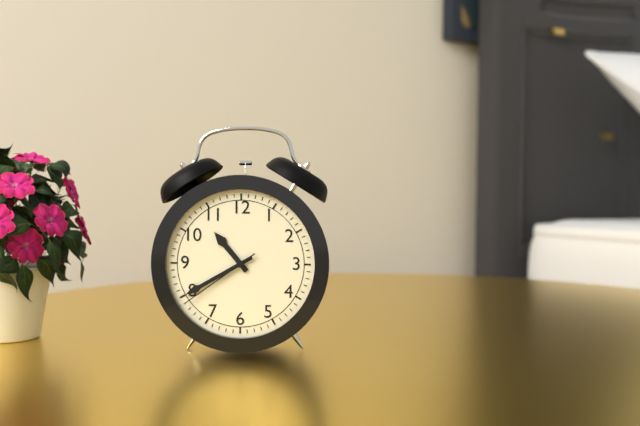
{"hour": 10, "minute": 40, "second": 39}
